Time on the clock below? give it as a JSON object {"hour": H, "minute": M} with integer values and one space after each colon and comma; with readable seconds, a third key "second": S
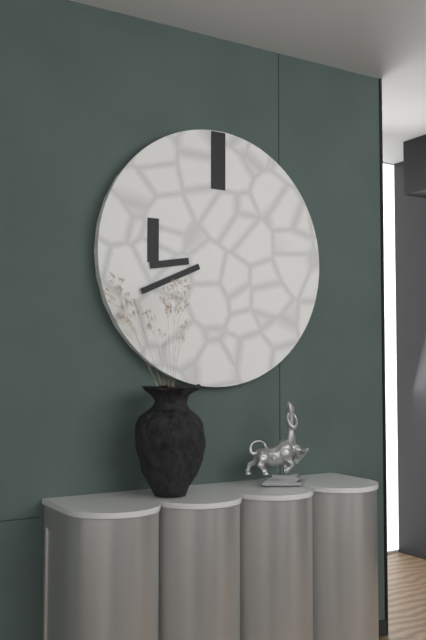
{"hour": 8, "minute": 41}
